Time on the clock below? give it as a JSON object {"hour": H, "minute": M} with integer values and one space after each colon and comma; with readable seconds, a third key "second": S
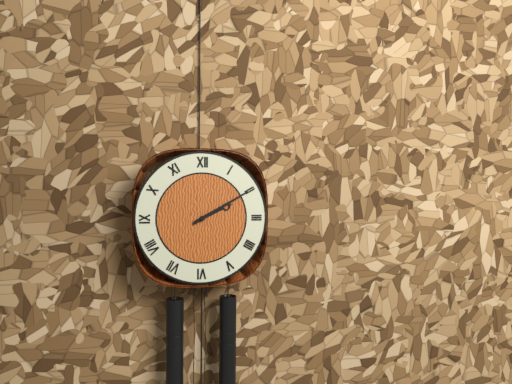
{"hour": 2, "minute": 10}
